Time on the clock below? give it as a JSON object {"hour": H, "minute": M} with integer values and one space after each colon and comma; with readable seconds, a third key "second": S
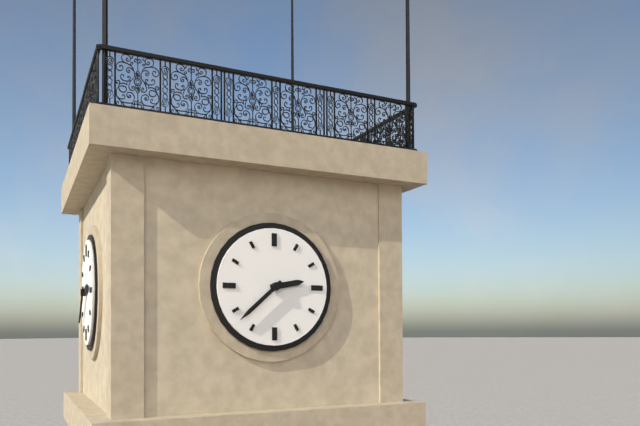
{"hour": 2, "minute": 38}
